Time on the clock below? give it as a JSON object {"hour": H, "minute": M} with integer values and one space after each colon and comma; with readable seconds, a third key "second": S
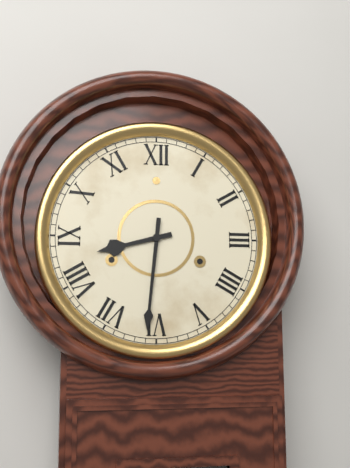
{"hour": 8, "minute": 31}
